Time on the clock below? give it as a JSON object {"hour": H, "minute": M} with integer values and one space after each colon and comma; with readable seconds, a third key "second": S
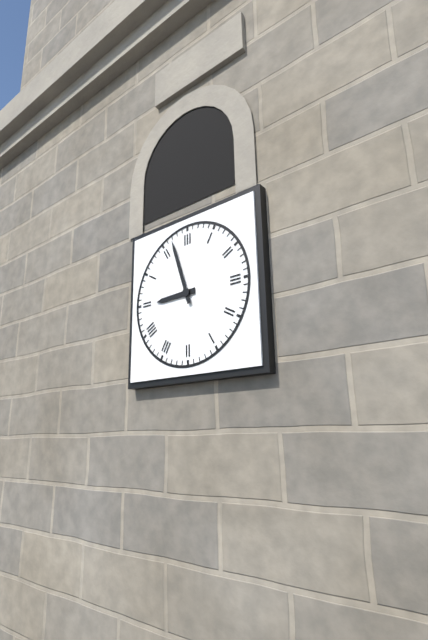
{"hour": 8, "minute": 57}
